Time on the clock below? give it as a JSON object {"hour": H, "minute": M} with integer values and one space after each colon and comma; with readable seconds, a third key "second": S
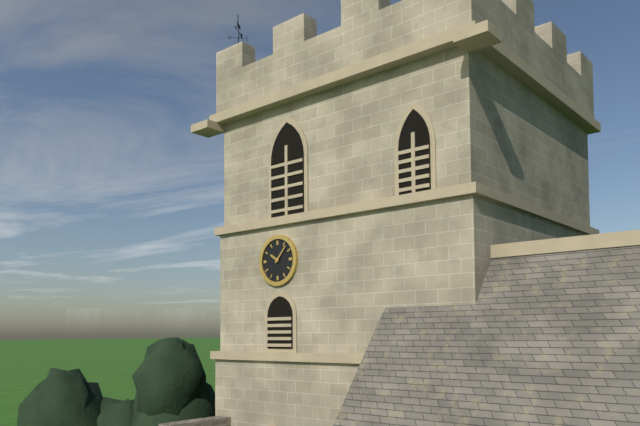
{"hour": 10, "minute": 7}
